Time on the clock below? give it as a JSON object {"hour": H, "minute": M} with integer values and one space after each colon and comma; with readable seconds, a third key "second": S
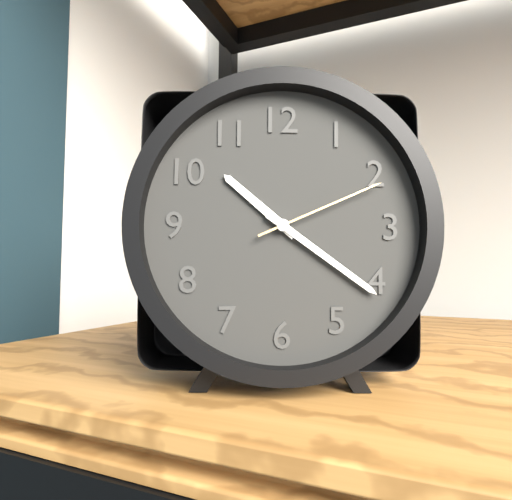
{"hour": 10, "minute": 21, "second": 11}
